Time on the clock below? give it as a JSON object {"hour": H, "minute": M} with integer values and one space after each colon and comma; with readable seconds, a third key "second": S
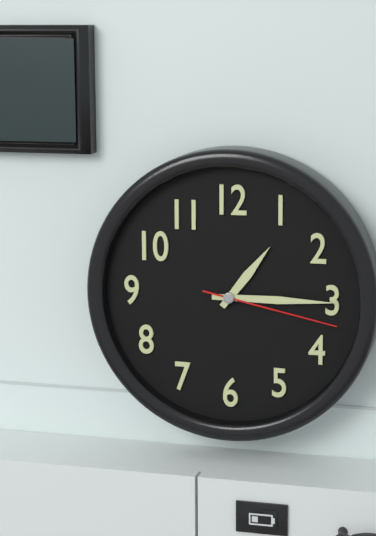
{"hour": 1, "minute": 15, "second": 17}
